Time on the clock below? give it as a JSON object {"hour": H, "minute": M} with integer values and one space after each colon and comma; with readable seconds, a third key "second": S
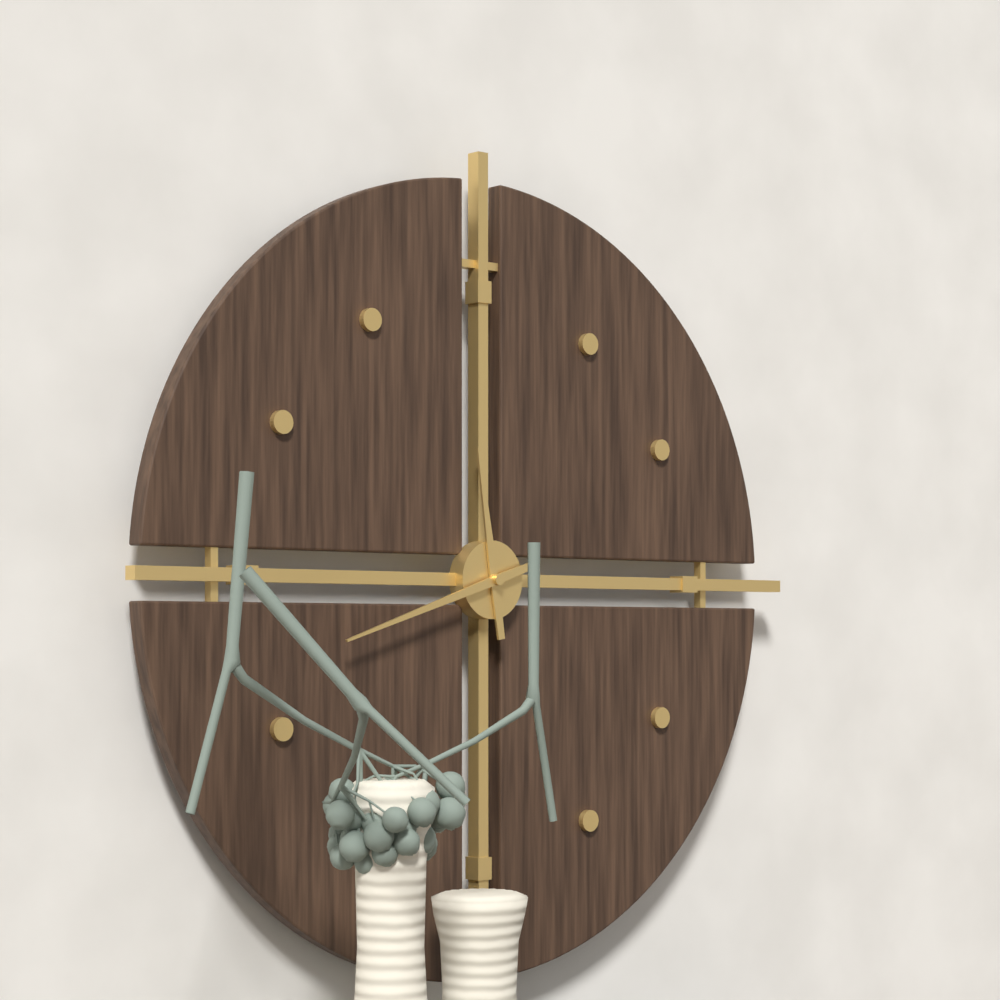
{"hour": 11, "minute": 42}
